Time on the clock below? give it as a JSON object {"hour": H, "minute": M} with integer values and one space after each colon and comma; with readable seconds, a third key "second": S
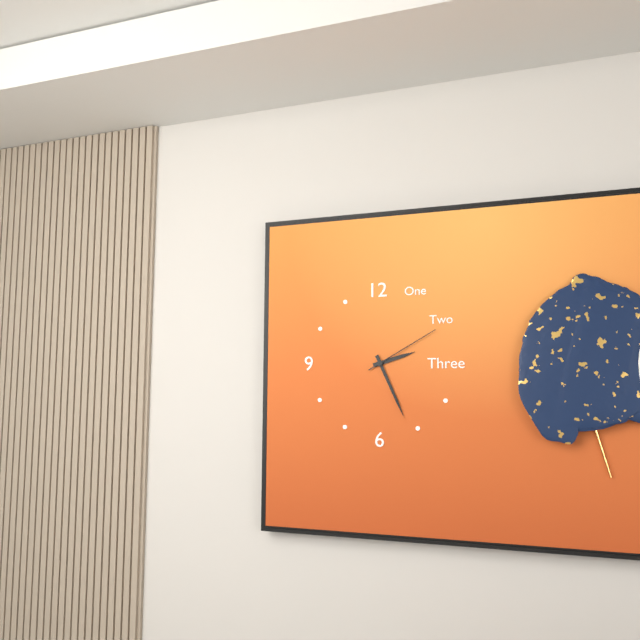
{"hour": 2, "minute": 26, "second": 10}
